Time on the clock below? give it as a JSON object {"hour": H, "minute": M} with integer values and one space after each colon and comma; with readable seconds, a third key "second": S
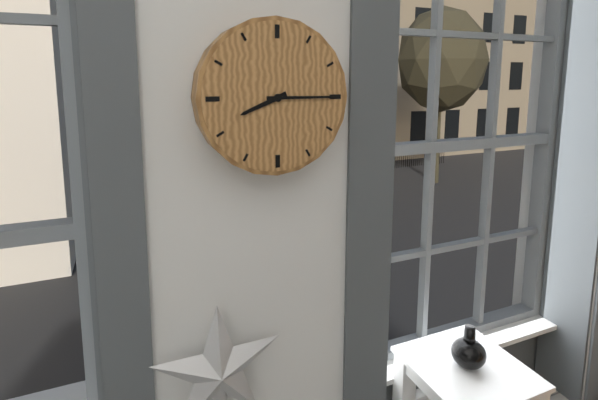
{"hour": 8, "minute": 15}
